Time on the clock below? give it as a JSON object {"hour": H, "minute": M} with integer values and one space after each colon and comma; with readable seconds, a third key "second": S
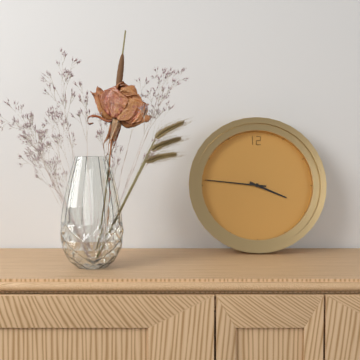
{"hour": 3, "minute": 46}
